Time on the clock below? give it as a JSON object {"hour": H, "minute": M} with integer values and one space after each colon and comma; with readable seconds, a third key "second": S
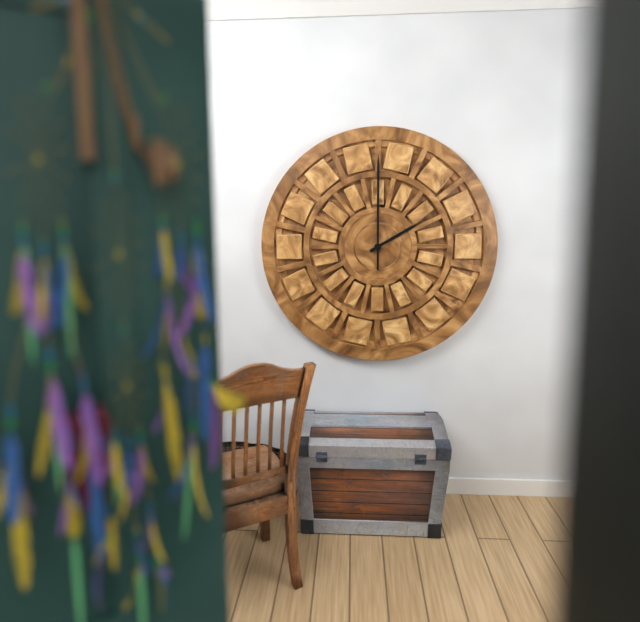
{"hour": 2, "minute": 0}
